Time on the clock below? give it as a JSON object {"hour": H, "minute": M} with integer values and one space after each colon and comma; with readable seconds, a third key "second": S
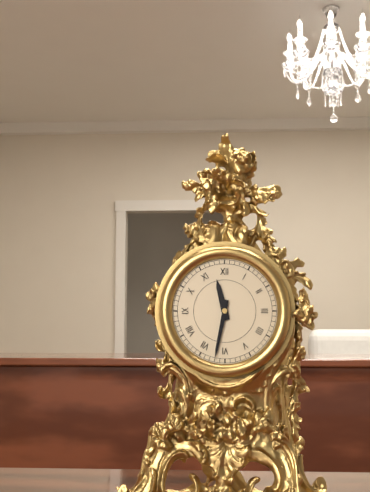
{"hour": 11, "minute": 32}
